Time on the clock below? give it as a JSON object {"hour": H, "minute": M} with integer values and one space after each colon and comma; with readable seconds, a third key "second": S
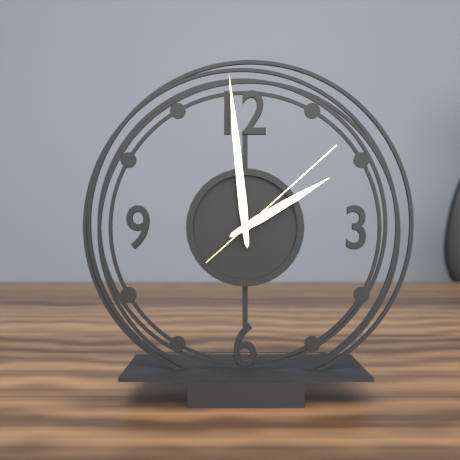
{"hour": 1, "minute": 59, "second": 8}
